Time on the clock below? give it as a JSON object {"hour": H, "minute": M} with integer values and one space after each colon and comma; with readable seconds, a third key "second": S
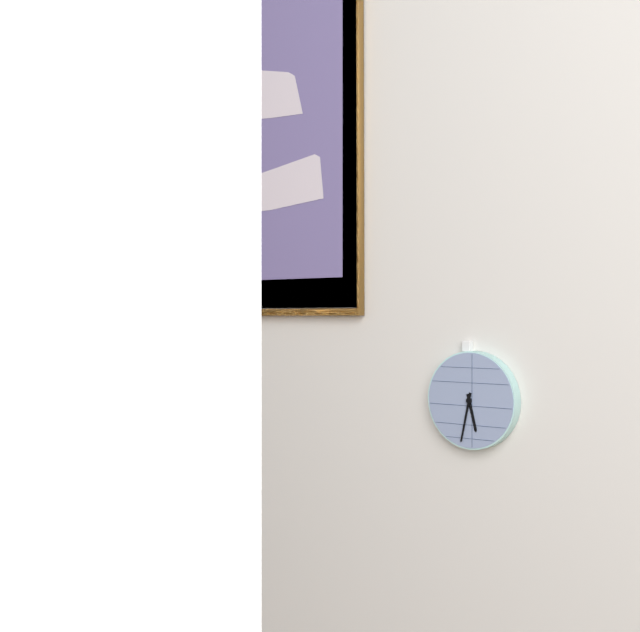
{"hour": 5, "minute": 32}
